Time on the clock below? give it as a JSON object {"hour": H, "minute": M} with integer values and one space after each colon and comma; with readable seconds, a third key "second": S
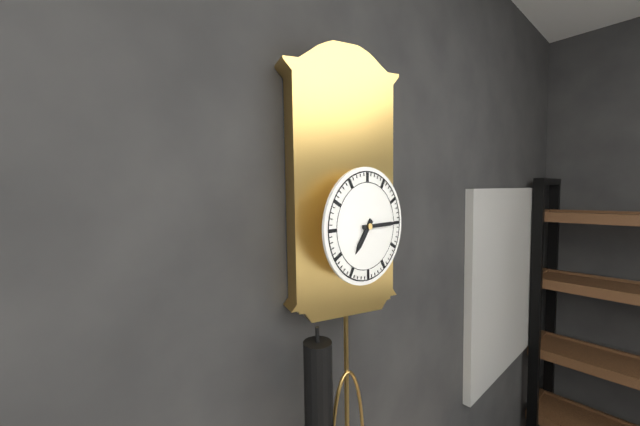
{"hour": 7, "minute": 15}
